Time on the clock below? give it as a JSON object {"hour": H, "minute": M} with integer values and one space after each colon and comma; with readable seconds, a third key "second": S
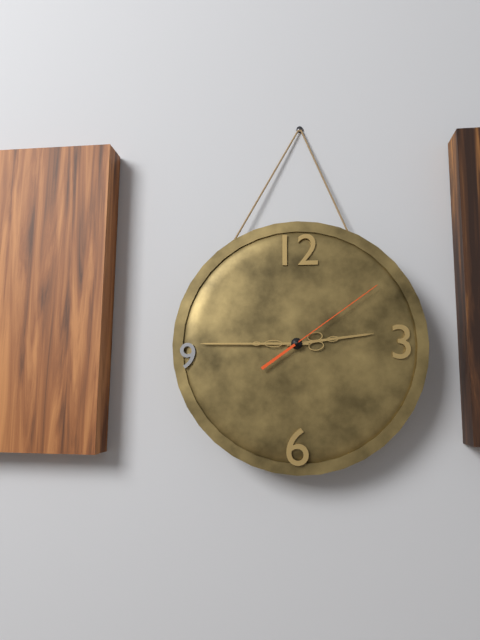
{"hour": 2, "minute": 45, "second": 9}
